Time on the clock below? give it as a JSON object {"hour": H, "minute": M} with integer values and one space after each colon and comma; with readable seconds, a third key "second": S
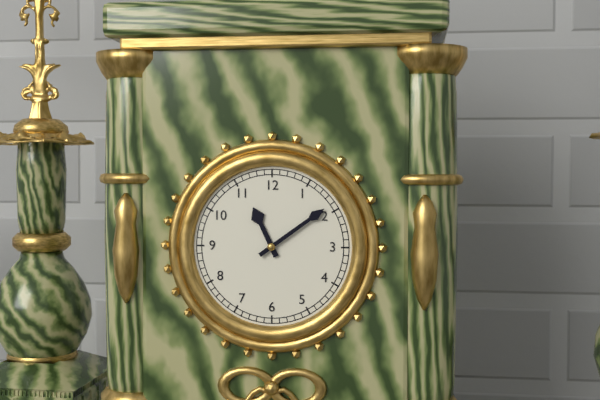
{"hour": 11, "minute": 9}
